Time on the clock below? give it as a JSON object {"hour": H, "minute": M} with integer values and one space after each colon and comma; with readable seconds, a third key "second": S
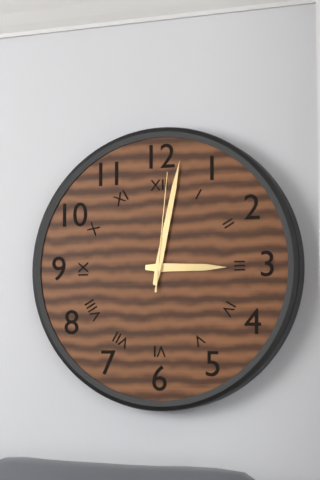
{"hour": 3, "minute": 2, "second": 1}
